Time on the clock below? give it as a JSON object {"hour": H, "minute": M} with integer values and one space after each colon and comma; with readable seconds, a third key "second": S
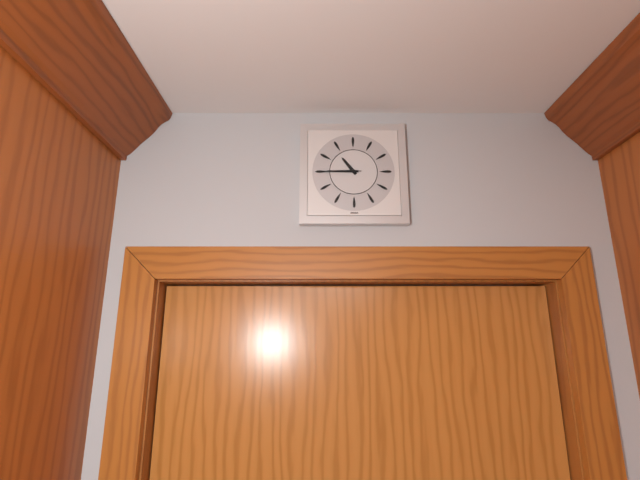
{"hour": 10, "minute": 45}
